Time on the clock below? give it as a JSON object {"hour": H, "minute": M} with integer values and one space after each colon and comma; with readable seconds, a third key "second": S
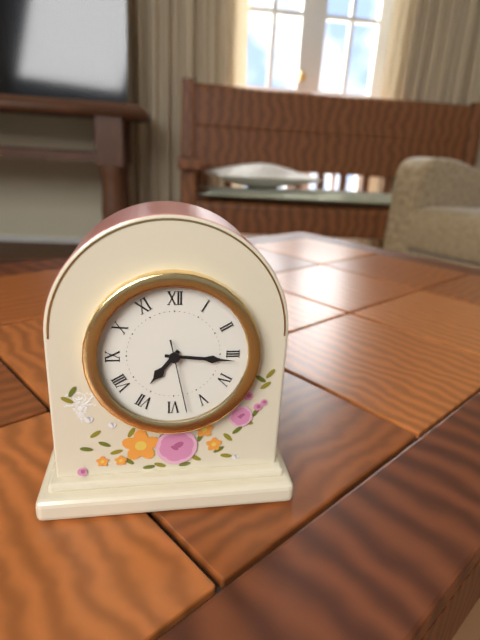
{"hour": 7, "minute": 16, "second": 28}
